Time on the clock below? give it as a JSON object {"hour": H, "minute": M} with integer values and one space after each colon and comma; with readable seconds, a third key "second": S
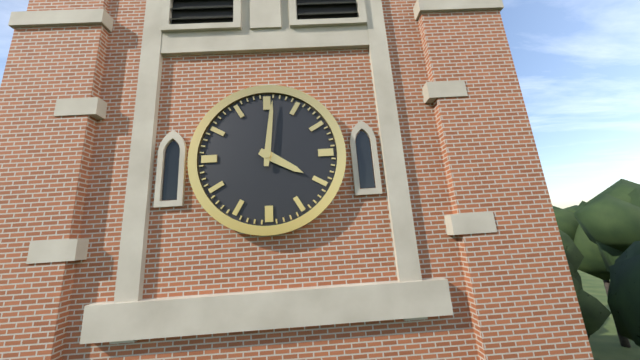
{"hour": 4, "minute": 1}
